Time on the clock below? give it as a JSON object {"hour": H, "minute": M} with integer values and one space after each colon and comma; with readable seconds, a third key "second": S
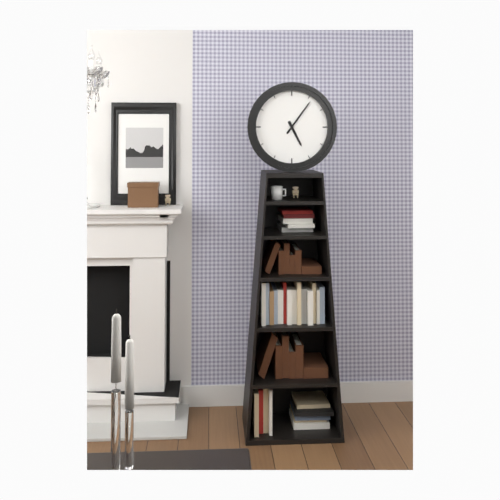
{"hour": 5, "minute": 6}
